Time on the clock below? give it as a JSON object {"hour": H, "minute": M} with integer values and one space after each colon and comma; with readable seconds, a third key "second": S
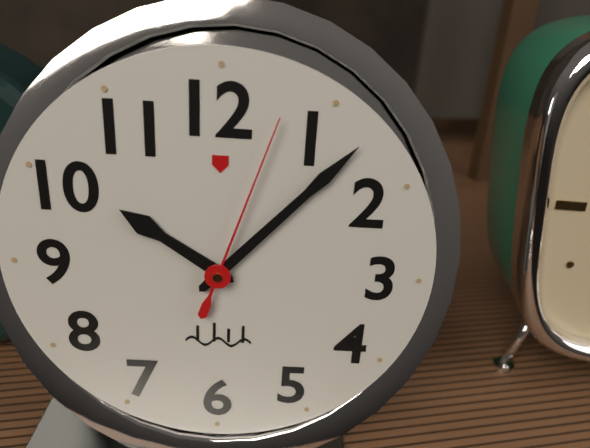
{"hour": 10, "minute": 7, "second": 3}
